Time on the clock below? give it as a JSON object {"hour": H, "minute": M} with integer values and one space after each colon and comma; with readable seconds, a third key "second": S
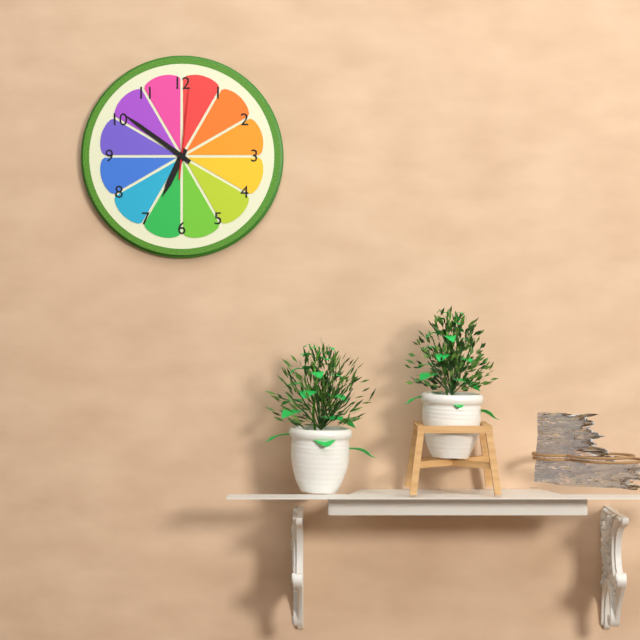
{"hour": 6, "minute": 51, "second": 1}
